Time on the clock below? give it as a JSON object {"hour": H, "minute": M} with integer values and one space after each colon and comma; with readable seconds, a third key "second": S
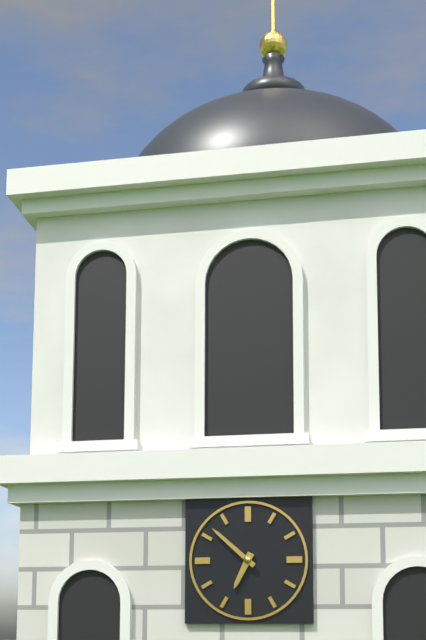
{"hour": 6, "minute": 52}
